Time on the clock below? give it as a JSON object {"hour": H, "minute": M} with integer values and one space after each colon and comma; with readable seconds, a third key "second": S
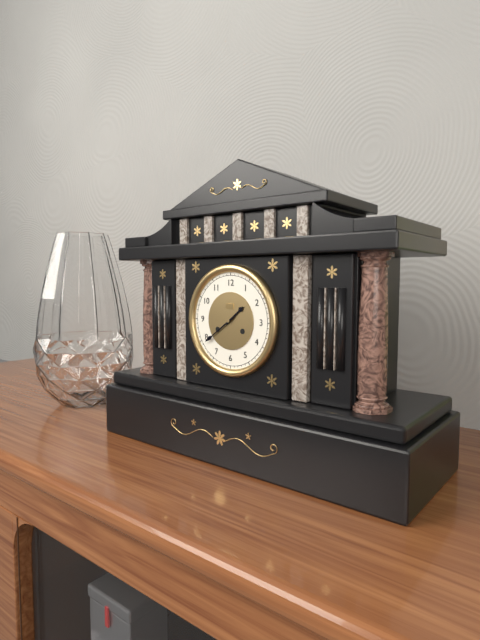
{"hour": 1, "minute": 39}
